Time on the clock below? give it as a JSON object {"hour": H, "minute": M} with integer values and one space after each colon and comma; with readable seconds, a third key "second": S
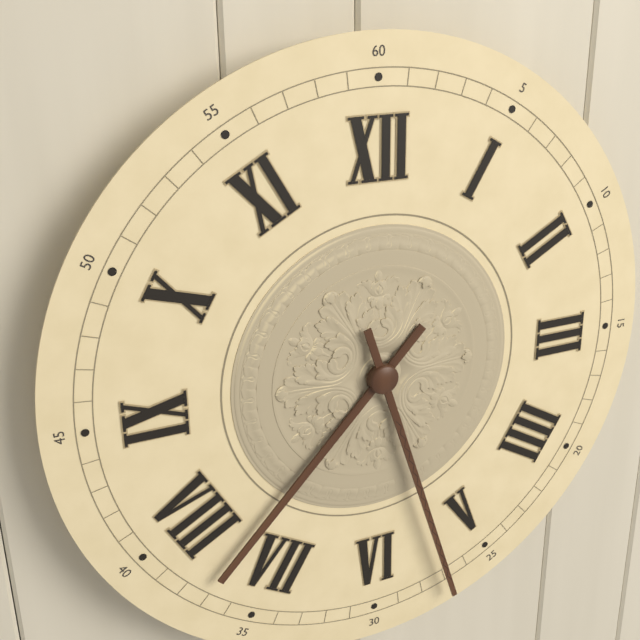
{"hour": 7, "minute": 27}
